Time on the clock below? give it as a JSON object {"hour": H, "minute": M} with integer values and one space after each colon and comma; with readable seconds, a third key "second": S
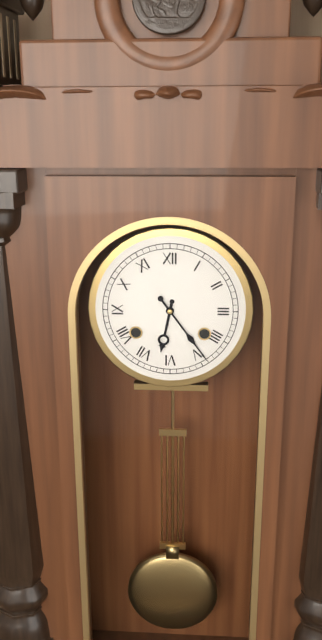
{"hour": 6, "minute": 24}
